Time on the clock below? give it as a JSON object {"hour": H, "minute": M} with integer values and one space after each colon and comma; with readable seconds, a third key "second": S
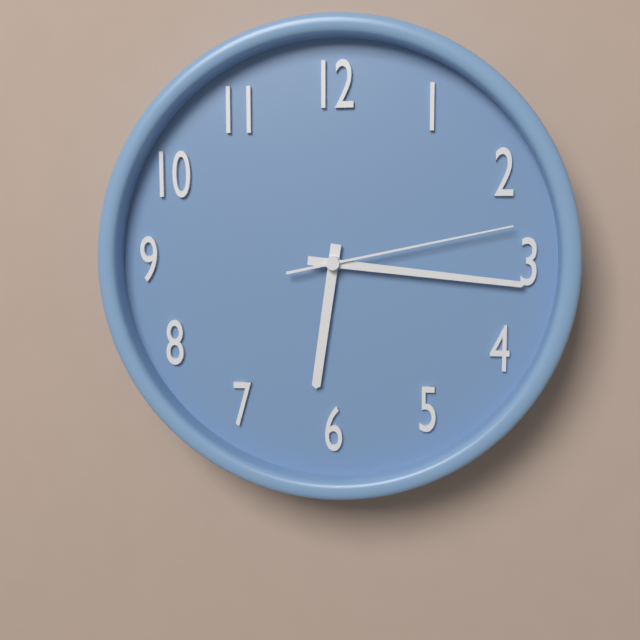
{"hour": 6, "minute": 16, "second": 13}
